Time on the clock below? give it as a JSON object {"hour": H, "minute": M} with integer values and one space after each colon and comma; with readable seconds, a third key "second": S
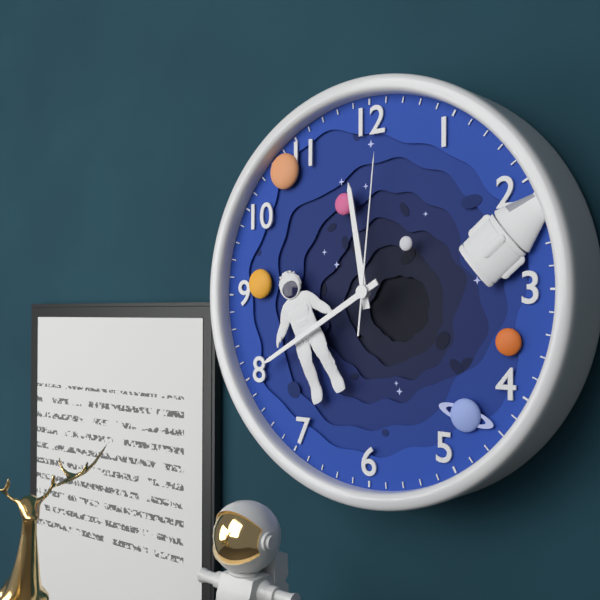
{"hour": 11, "minute": 40, "second": 1}
